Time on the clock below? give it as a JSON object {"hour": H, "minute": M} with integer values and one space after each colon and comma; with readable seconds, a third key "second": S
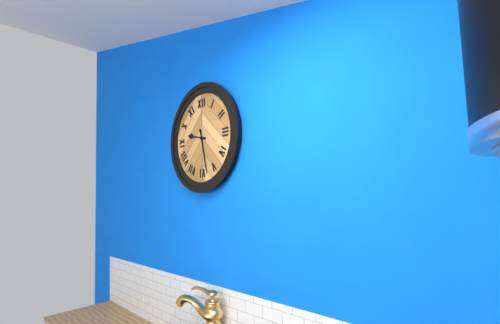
{"hour": 9, "minute": 28}
